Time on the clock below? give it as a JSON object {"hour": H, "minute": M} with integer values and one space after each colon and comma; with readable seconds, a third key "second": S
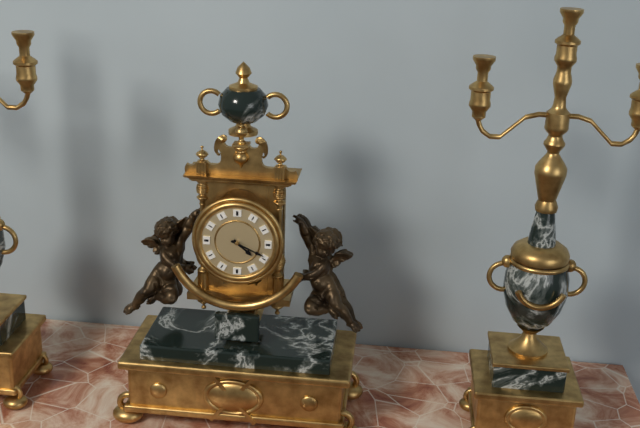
{"hour": 4, "minute": 19}
